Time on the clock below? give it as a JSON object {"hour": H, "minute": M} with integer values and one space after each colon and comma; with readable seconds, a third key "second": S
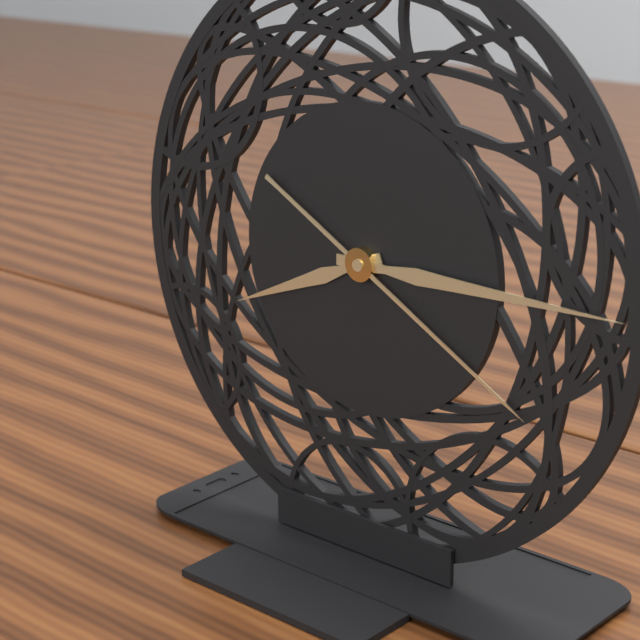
{"hour": 8, "minute": 15, "second": 20}
